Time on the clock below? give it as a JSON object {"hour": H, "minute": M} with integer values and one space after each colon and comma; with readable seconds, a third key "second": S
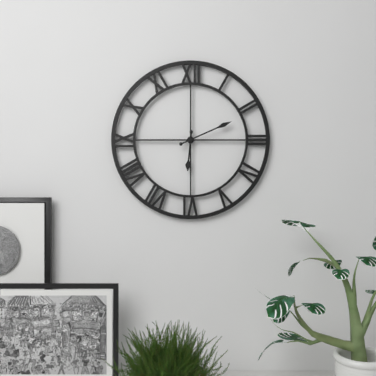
{"hour": 6, "minute": 11}
